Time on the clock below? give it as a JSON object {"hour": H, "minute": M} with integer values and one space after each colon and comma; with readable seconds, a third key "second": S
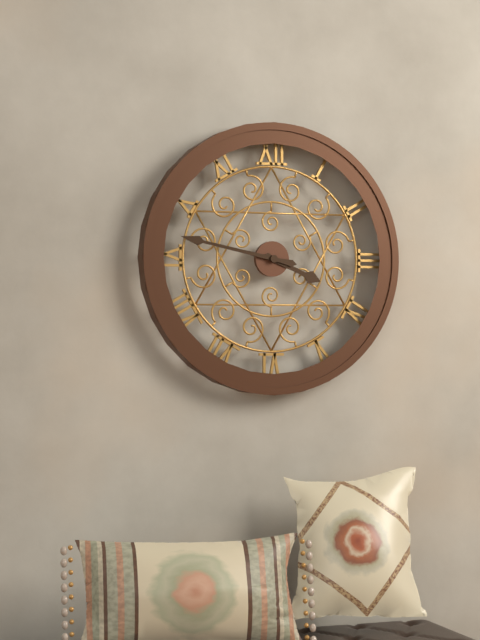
{"hour": 3, "minute": 47}
